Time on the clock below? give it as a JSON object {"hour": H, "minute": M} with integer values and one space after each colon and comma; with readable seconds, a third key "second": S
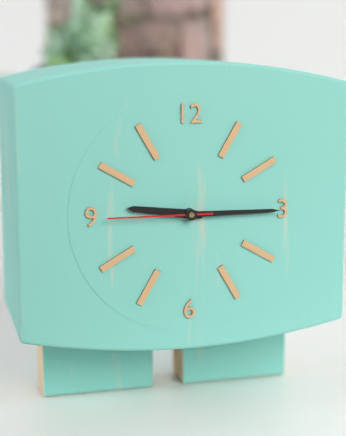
{"hour": 9, "minute": 15, "second": 45}
